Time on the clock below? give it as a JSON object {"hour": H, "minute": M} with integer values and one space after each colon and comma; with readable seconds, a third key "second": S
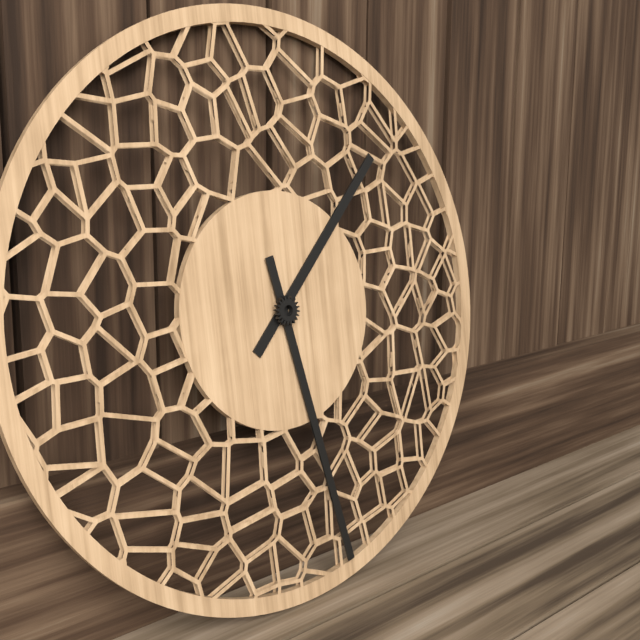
{"hour": 1, "minute": 28}
